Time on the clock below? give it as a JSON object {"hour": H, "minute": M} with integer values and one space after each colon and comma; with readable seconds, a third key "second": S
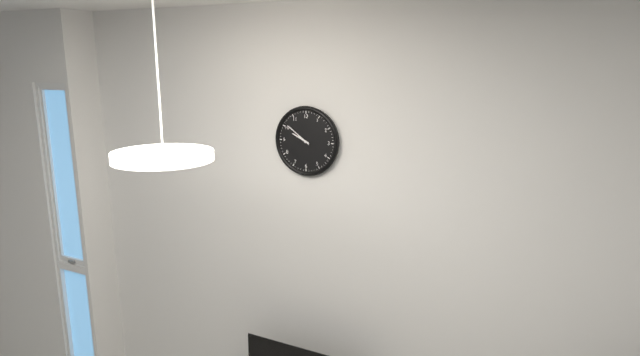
{"hour": 9, "minute": 51}
